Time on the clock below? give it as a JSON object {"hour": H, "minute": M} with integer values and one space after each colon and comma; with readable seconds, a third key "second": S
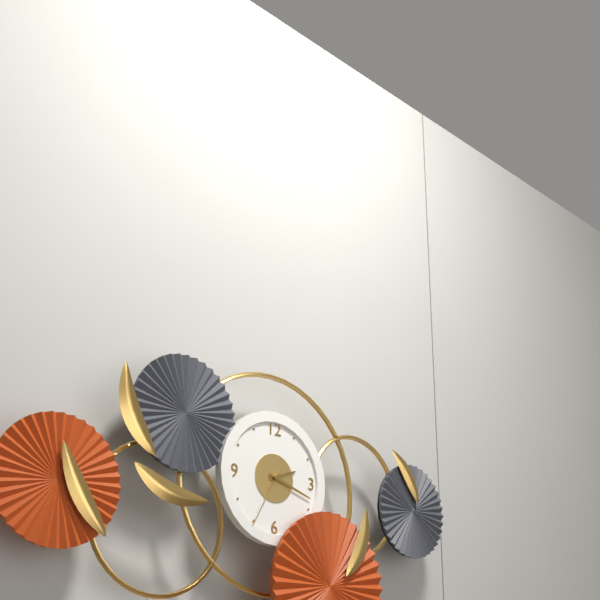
{"hour": 2, "minute": 18, "second": 35}
